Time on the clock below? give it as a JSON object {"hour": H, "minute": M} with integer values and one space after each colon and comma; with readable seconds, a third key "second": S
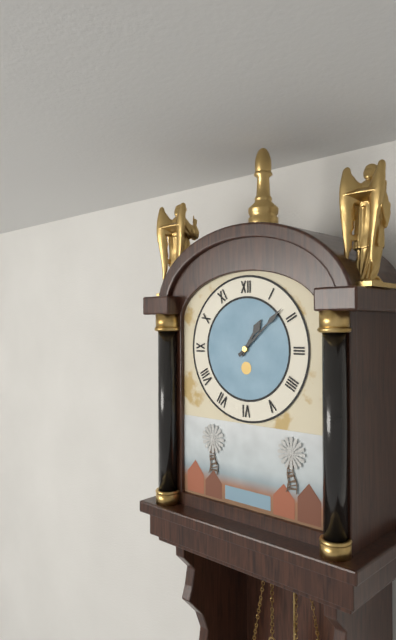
{"hour": 1, "minute": 8}
